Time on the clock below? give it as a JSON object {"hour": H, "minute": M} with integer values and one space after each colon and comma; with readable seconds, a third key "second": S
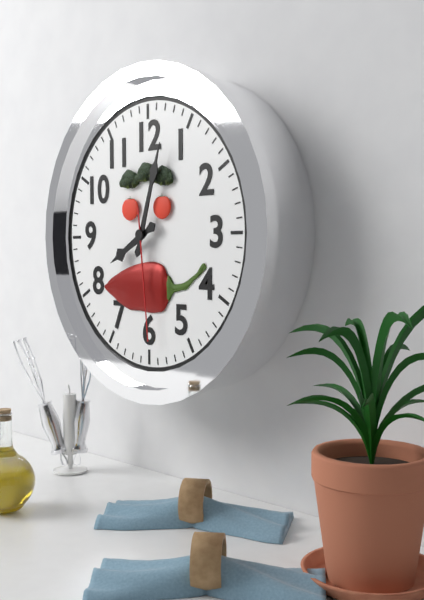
{"hour": 8, "minute": 3, "second": 29}
